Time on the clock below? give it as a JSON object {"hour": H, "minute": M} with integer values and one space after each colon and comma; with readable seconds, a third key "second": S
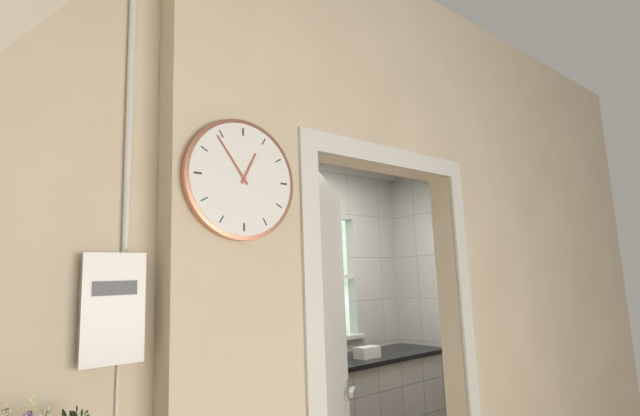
{"hour": 12, "minute": 54}
